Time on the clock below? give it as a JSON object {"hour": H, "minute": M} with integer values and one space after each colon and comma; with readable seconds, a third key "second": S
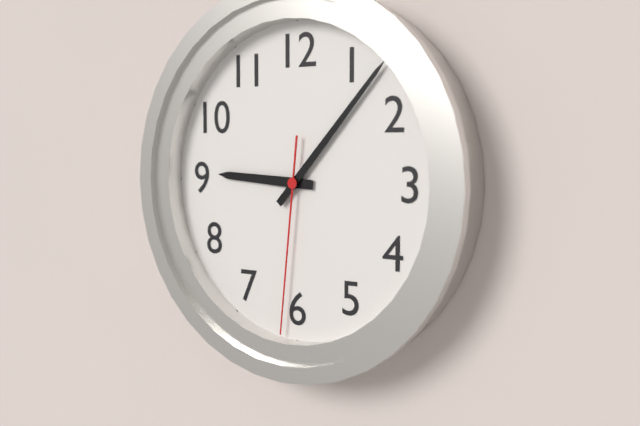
{"hour": 9, "minute": 7, "second": 31}
